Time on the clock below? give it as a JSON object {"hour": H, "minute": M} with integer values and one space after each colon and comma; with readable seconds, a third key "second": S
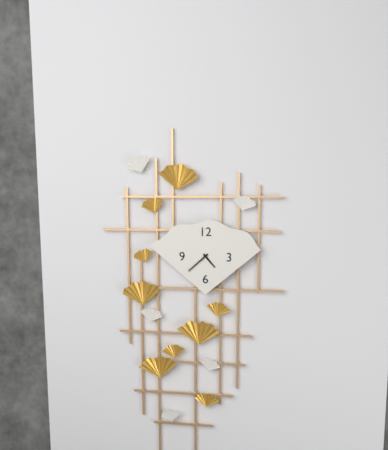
{"hour": 4, "minute": 38}
